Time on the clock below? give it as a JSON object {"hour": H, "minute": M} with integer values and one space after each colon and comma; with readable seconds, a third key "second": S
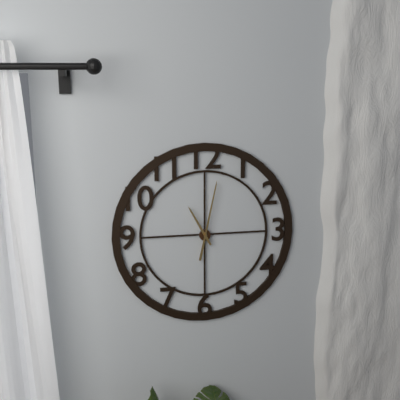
{"hour": 11, "minute": 2}
